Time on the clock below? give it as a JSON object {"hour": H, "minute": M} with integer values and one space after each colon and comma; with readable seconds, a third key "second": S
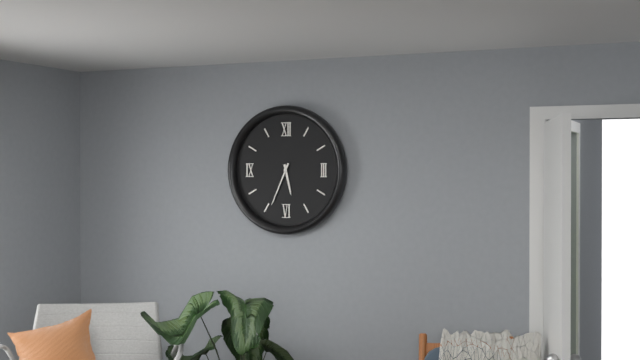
{"hour": 5, "minute": 34}
